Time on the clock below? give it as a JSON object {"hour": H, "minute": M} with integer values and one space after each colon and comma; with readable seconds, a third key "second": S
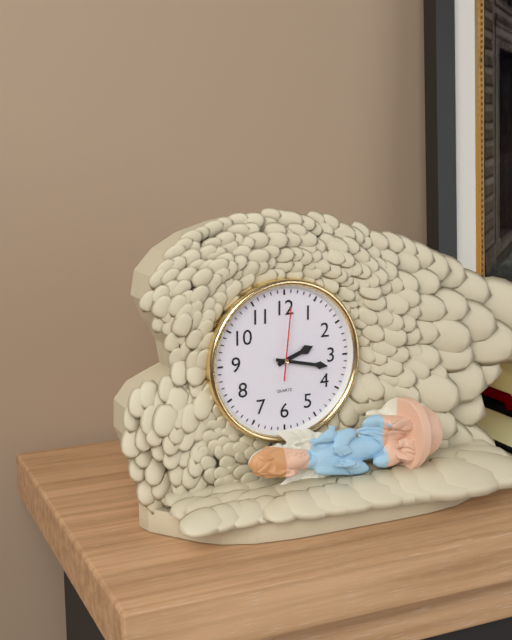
{"hour": 2, "minute": 17, "second": 1}
